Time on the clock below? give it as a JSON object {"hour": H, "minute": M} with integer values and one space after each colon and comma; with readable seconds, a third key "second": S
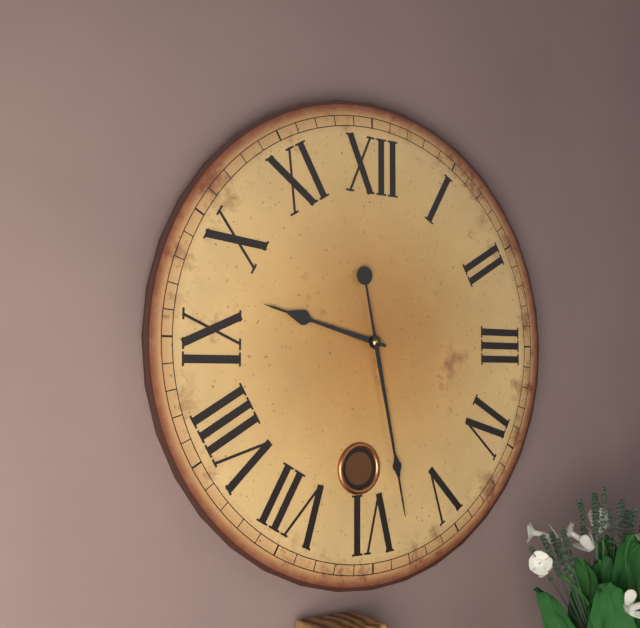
{"hour": 9, "minute": 28}
